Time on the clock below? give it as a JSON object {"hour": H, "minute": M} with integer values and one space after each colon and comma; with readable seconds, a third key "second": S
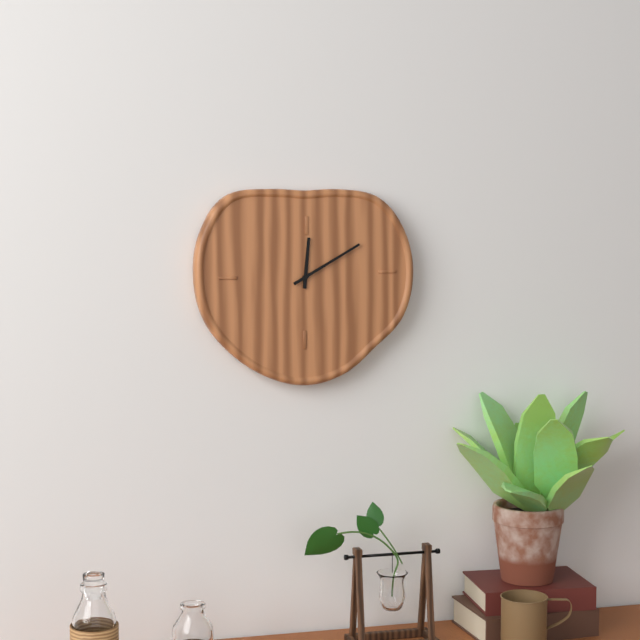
{"hour": 12, "minute": 10}
